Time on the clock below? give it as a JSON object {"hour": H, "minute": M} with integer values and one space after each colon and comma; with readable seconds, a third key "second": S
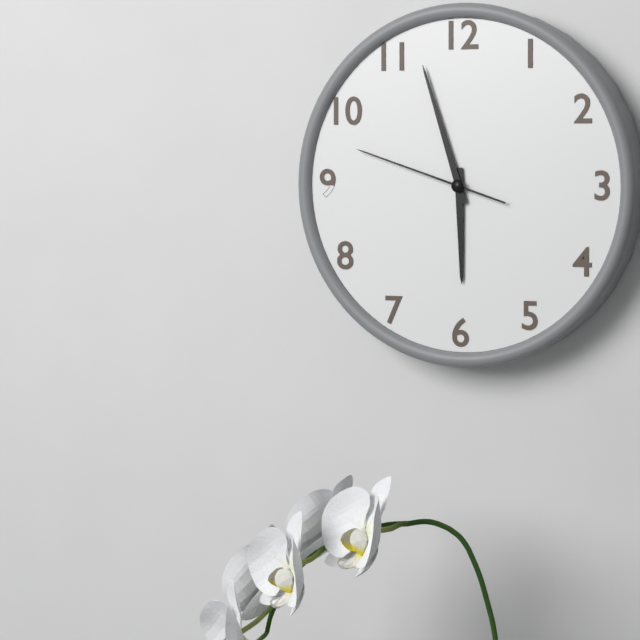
{"hour": 5, "minute": 57, "second": 48}
